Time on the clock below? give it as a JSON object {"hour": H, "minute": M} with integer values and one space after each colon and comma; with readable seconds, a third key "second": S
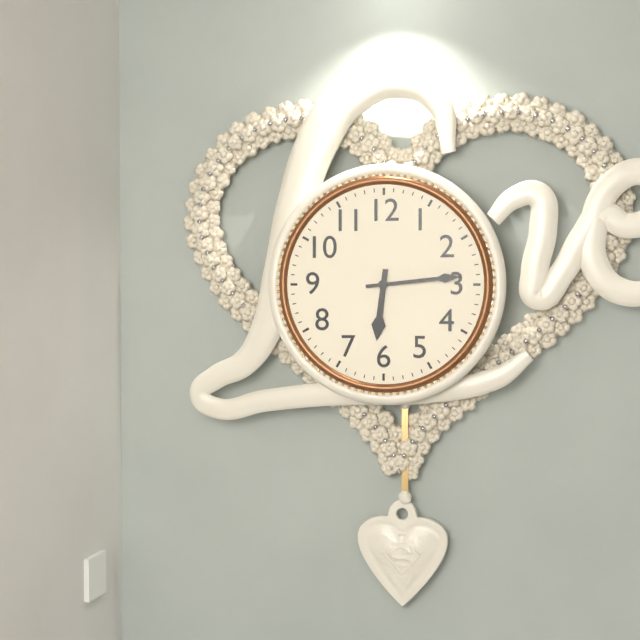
{"hour": 6, "minute": 14}
